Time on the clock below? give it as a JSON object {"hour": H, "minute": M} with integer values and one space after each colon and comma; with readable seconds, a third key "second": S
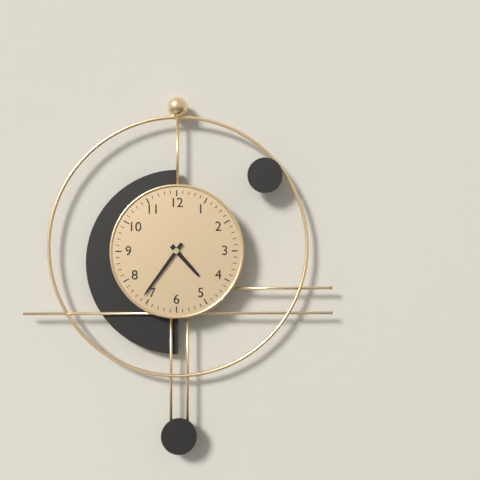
{"hour": 4, "minute": 36}
